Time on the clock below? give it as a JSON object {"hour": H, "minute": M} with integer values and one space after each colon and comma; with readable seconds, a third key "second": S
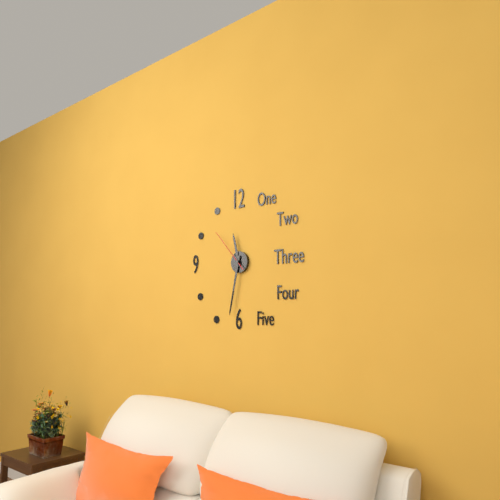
{"hour": 11, "minute": 32}
